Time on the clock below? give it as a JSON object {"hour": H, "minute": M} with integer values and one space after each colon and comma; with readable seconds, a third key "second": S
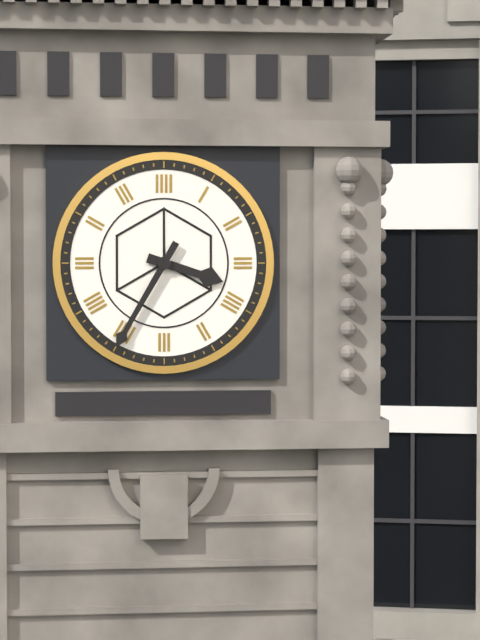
{"hour": 3, "minute": 35}
